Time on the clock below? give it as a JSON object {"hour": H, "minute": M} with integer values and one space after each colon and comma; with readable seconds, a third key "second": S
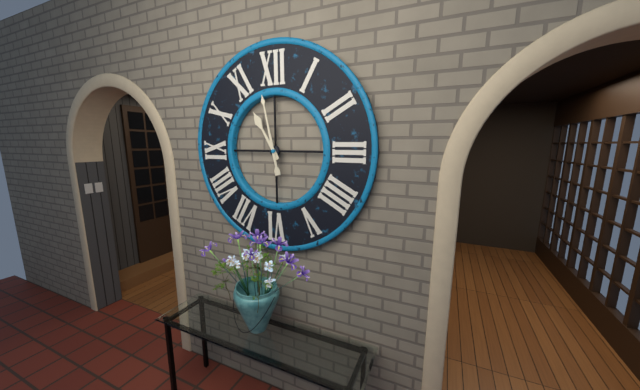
{"hour": 10, "minute": 58}
